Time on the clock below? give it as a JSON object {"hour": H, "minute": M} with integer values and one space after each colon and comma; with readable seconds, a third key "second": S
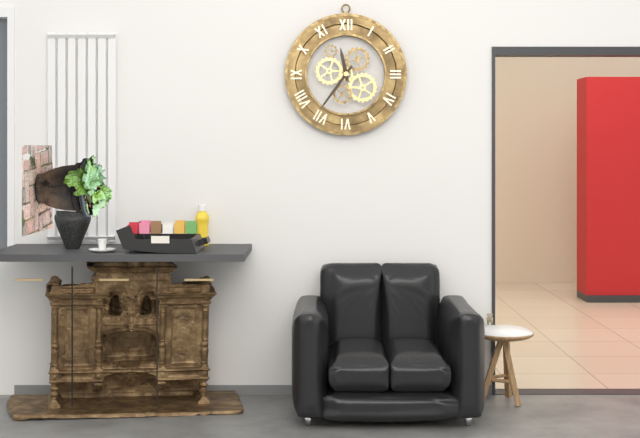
{"hour": 11, "minute": 36}
